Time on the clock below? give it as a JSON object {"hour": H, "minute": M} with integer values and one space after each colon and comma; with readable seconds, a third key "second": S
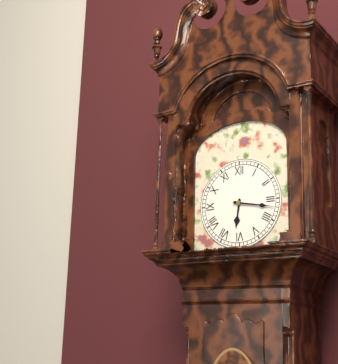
{"hour": 6, "minute": 17}
